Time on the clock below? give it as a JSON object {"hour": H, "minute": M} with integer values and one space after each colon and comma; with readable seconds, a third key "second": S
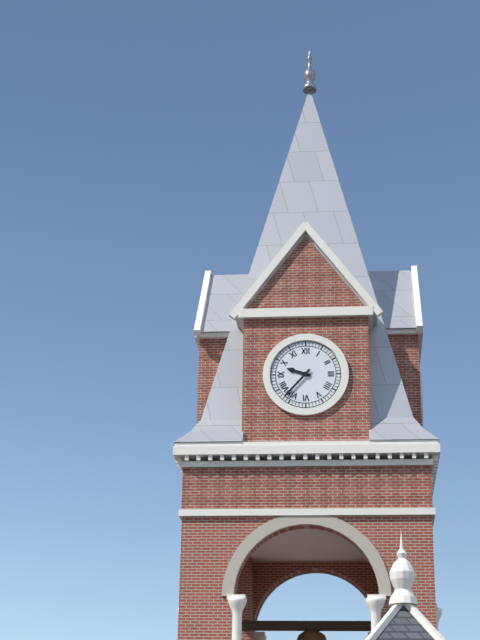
{"hour": 9, "minute": 37}
